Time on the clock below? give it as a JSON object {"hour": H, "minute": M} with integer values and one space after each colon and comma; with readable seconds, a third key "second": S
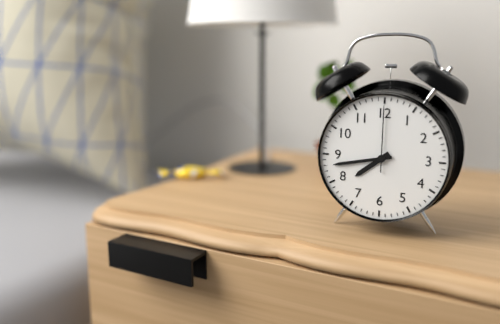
{"hour": 7, "minute": 43, "second": 0}
